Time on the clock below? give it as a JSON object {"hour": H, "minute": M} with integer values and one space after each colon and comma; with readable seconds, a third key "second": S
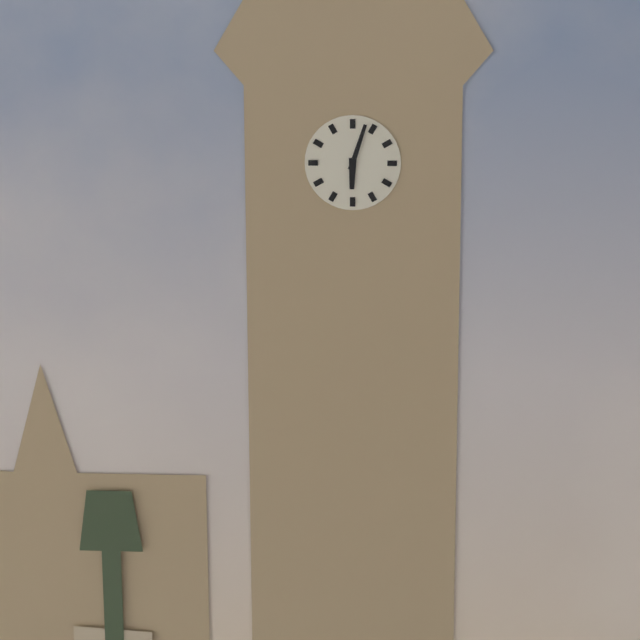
{"hour": 6, "minute": 3}
